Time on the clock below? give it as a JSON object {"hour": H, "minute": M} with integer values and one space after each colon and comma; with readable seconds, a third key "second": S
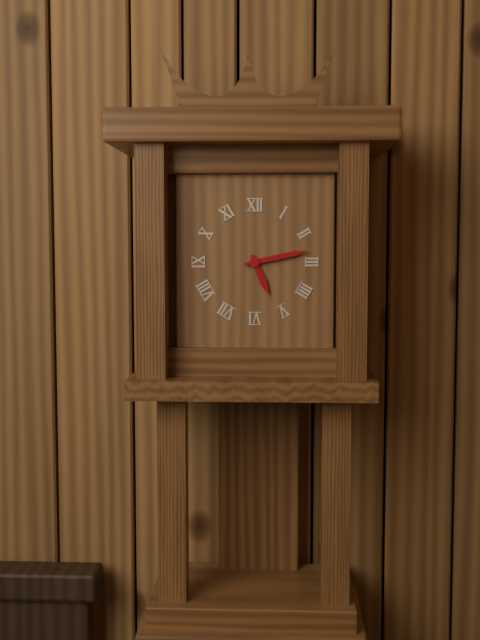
{"hour": 5, "minute": 13}
